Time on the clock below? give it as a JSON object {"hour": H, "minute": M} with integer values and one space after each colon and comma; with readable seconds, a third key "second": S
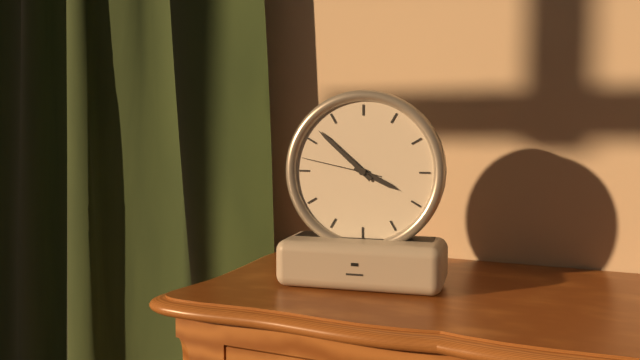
{"hour": 3, "minute": 52, "second": 47}
